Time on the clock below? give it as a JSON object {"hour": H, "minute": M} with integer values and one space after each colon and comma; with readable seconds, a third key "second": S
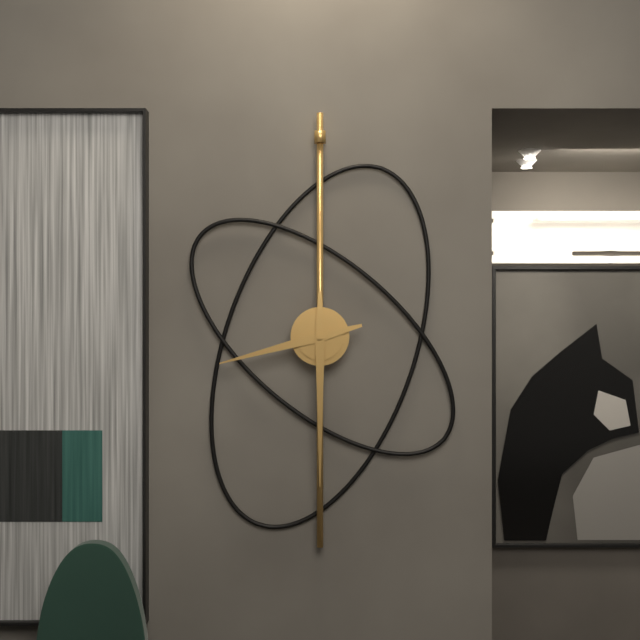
{"hour": 8, "minute": 30}
